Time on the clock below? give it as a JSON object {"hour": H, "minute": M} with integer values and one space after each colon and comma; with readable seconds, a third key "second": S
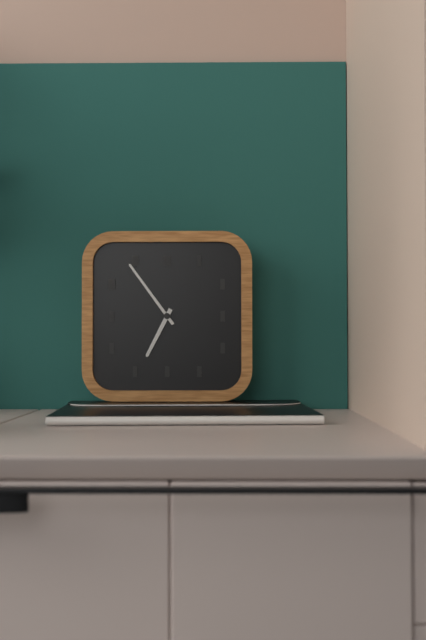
{"hour": 6, "minute": 54}
